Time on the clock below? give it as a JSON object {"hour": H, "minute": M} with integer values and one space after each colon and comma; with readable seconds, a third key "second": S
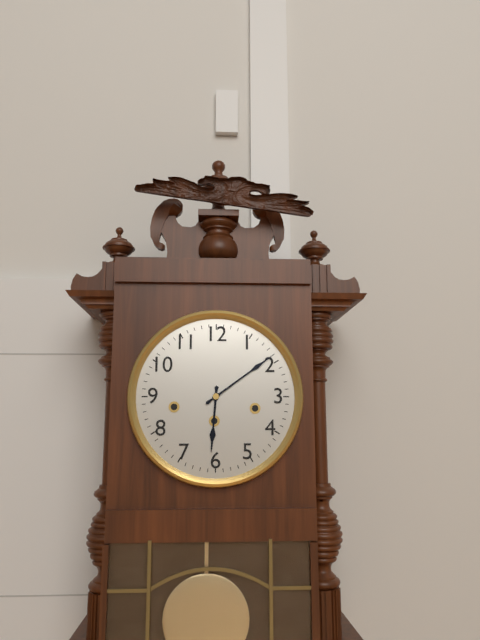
{"hour": 6, "minute": 9}
